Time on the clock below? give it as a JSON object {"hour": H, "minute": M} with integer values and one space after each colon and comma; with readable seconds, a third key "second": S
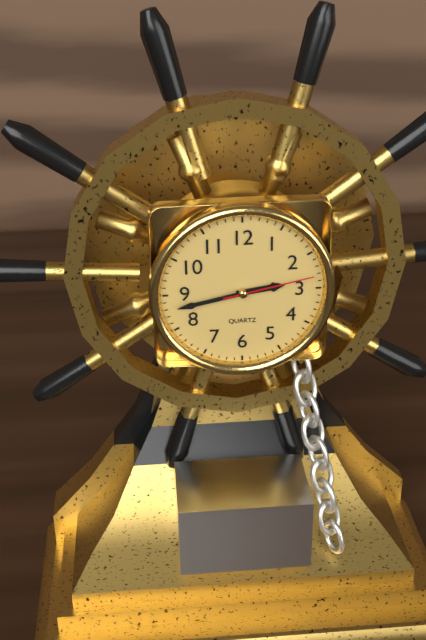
{"hour": 2, "minute": 43, "second": 13}
